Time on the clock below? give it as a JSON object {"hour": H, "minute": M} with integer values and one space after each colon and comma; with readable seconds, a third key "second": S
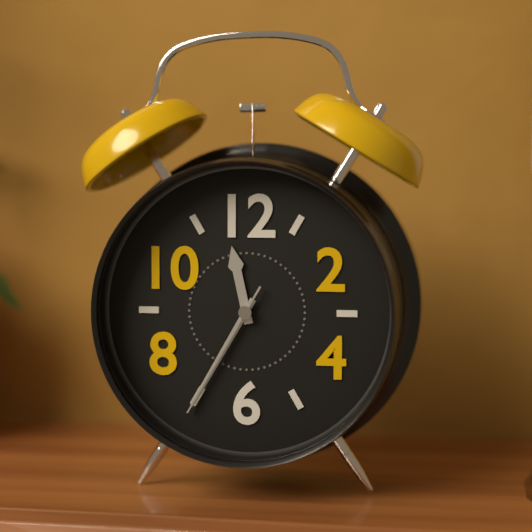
{"hour": 11, "minute": 35, "second": 35}
